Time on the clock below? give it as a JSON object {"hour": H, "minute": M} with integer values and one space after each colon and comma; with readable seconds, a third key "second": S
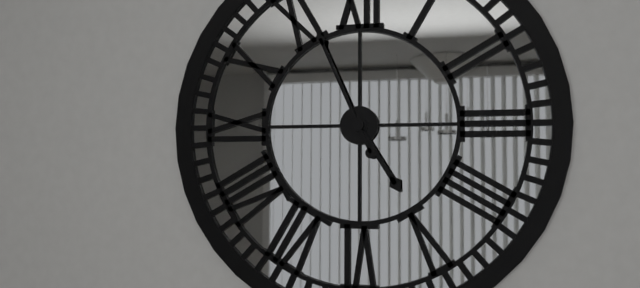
{"hour": 4, "minute": 56}
